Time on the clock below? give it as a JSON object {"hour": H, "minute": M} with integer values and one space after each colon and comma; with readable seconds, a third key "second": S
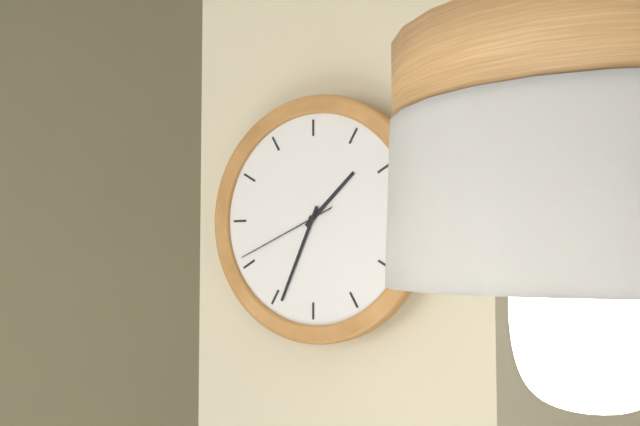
{"hour": 1, "minute": 34, "second": 41}
